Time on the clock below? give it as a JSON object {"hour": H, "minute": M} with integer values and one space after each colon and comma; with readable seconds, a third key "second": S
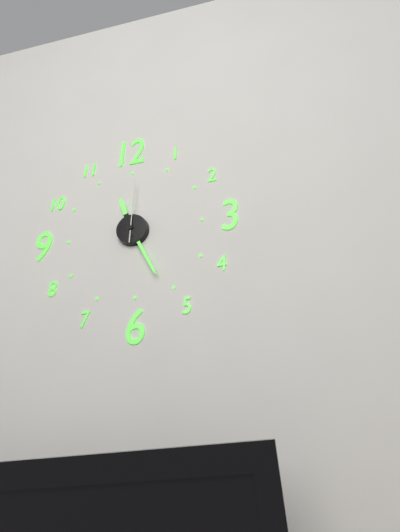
{"hour": 11, "minute": 26, "second": 1}
